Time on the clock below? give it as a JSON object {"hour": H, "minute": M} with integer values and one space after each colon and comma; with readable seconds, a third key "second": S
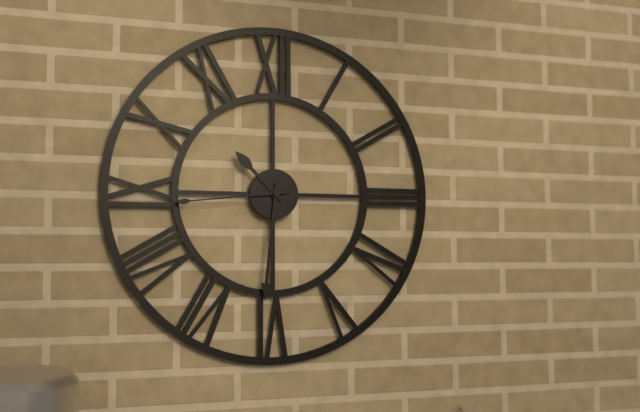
{"hour": 10, "minute": 31, "second": 44}
